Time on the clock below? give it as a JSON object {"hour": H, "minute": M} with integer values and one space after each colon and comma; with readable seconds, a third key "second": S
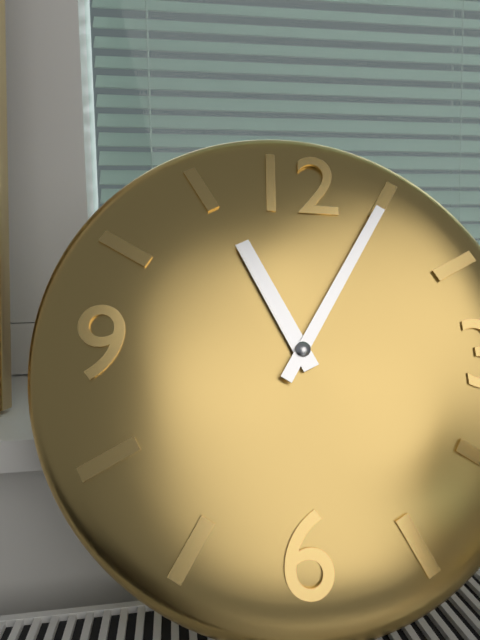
{"hour": 11, "minute": 5}
